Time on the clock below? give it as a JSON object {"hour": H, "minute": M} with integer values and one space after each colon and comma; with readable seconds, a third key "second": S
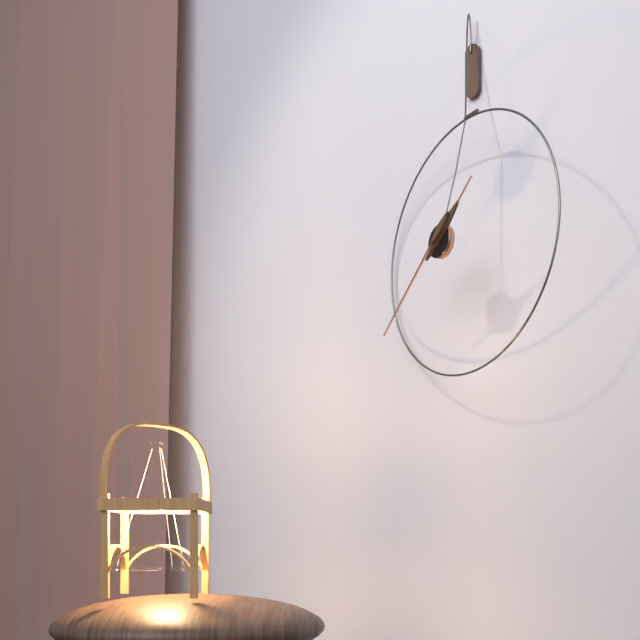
{"hour": 1, "minute": 38}
